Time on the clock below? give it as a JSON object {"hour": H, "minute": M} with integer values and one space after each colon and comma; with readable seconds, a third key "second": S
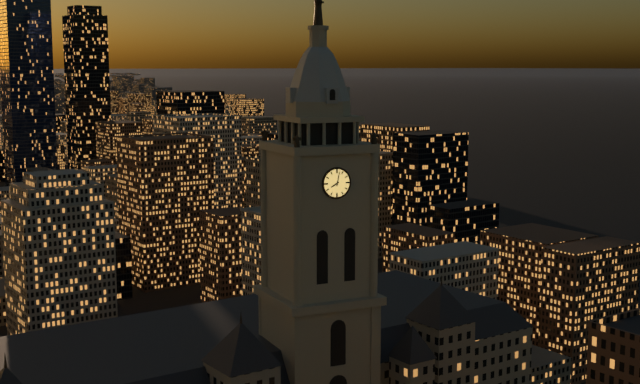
{"hour": 8, "minute": 2}
